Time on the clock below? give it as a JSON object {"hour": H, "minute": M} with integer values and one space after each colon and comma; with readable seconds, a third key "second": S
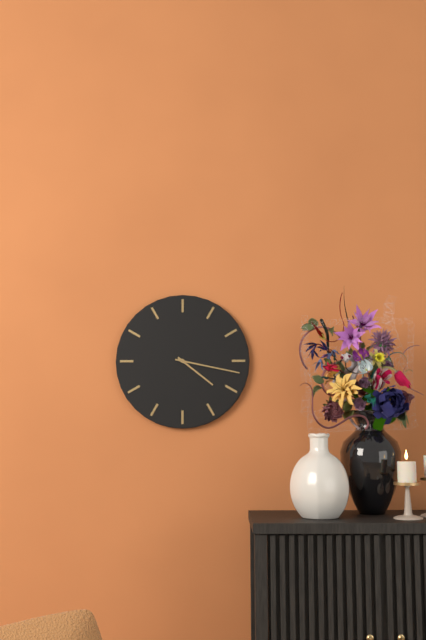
{"hour": 4, "minute": 17}
